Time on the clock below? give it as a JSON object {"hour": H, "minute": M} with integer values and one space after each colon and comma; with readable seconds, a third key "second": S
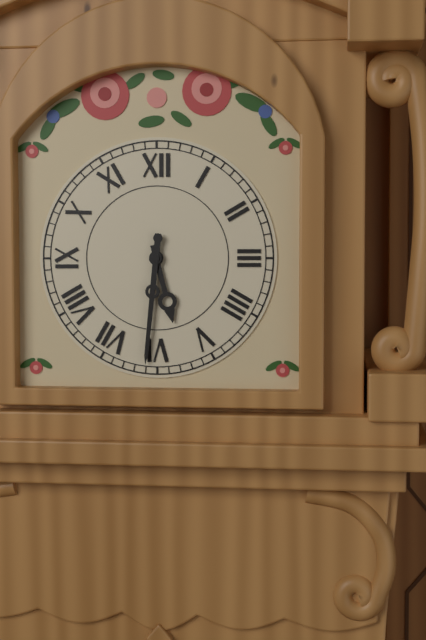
{"hour": 5, "minute": 31}
